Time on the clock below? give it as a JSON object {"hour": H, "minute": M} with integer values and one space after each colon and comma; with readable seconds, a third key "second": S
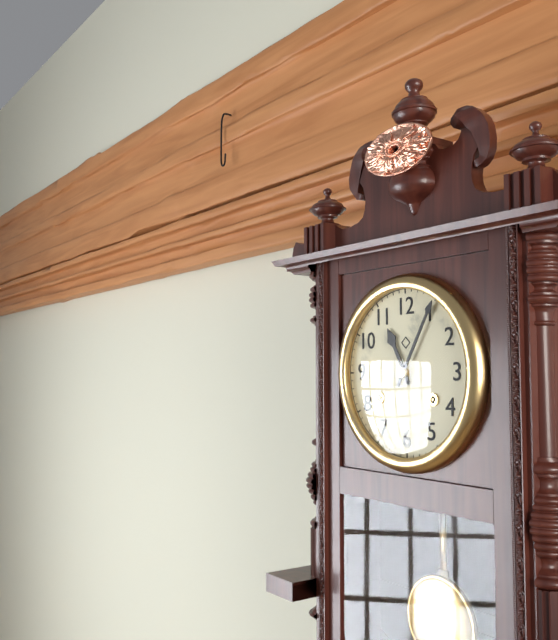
{"hour": 11, "minute": 5}
